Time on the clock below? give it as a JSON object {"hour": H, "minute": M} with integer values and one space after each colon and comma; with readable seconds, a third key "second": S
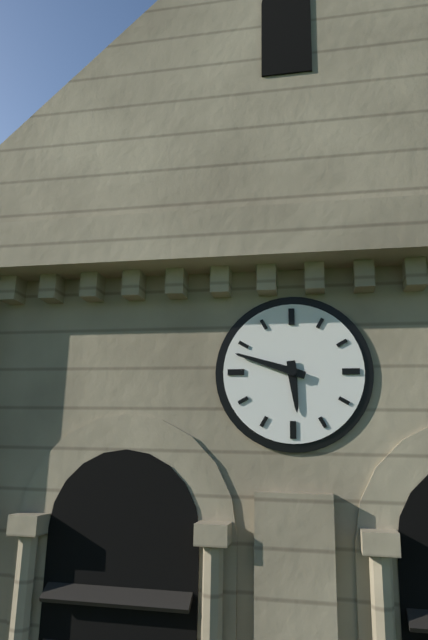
{"hour": 5, "minute": 48}
